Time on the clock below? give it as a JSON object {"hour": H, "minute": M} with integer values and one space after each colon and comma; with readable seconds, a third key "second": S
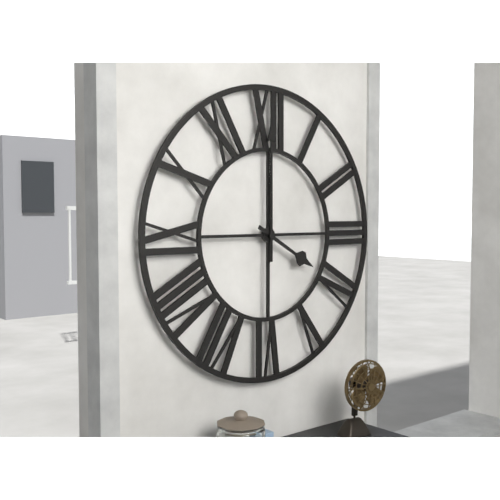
{"hour": 4, "minute": 0}
